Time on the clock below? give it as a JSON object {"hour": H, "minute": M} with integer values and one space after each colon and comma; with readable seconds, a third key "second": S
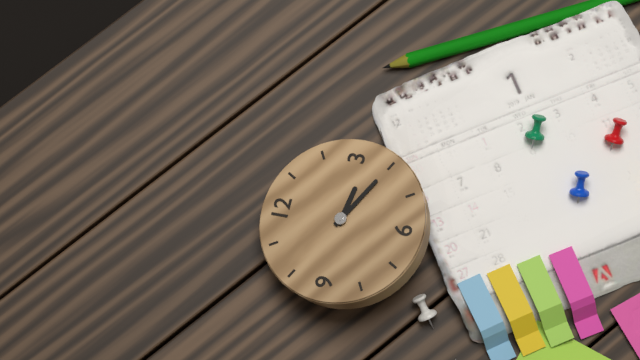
{"hour": 3, "minute": 20}
